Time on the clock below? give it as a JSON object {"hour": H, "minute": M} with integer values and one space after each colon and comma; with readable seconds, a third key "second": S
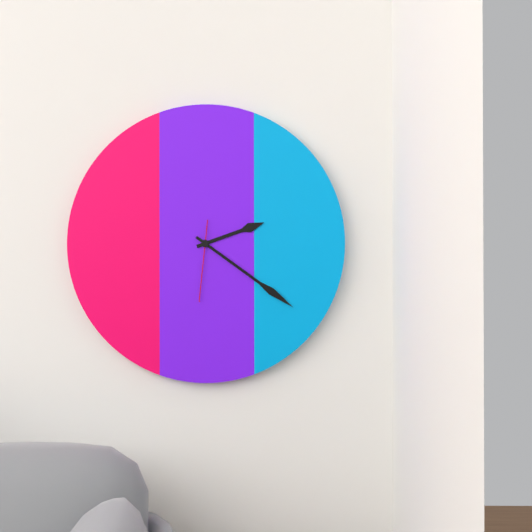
{"hour": 2, "minute": 21, "second": 31}
